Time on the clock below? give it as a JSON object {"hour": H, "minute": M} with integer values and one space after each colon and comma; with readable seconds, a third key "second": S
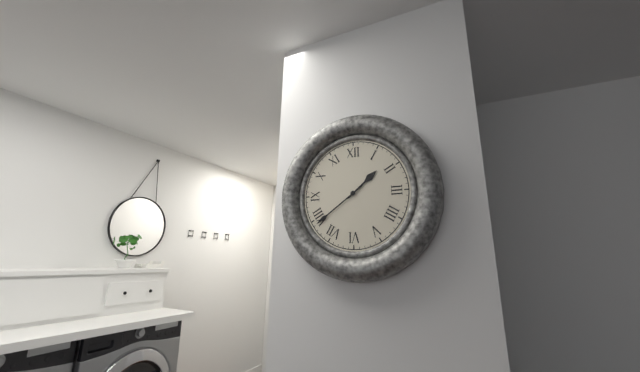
{"hour": 1, "minute": 39}
